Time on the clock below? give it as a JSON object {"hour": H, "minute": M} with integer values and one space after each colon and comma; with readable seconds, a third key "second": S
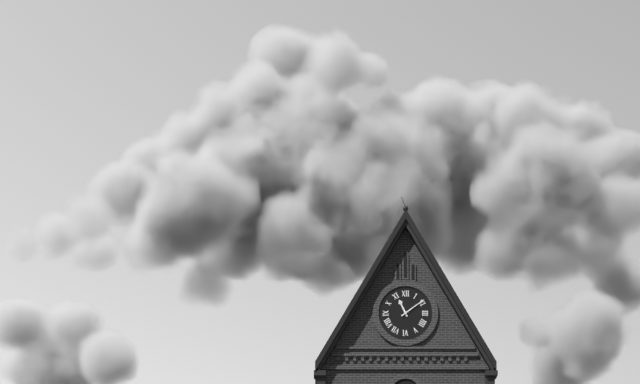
{"hour": 11, "minute": 9}
